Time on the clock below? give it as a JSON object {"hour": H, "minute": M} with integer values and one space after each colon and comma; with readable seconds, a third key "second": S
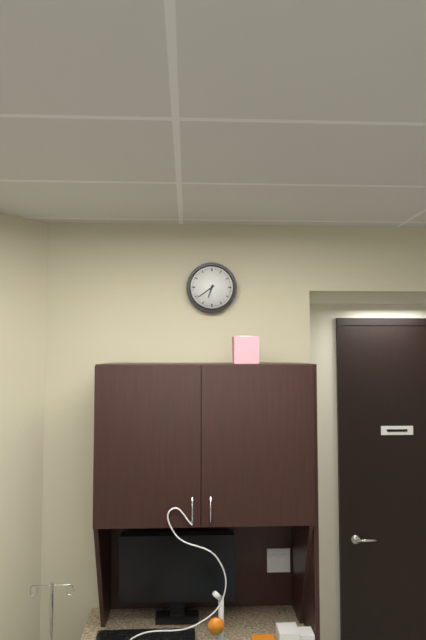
{"hour": 6, "minute": 39}
